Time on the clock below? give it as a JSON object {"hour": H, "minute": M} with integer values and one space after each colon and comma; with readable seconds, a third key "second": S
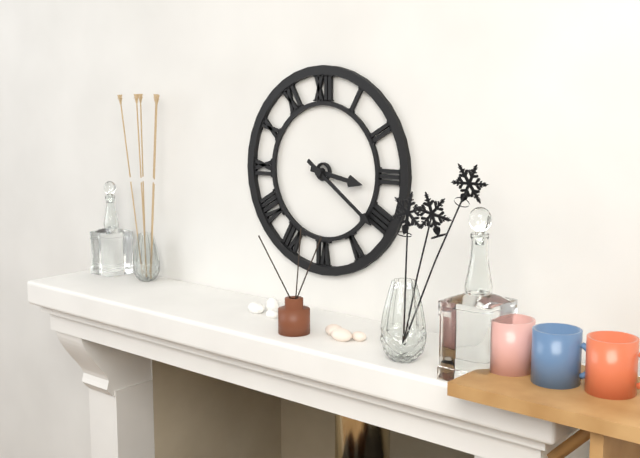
{"hour": 3, "minute": 21}
